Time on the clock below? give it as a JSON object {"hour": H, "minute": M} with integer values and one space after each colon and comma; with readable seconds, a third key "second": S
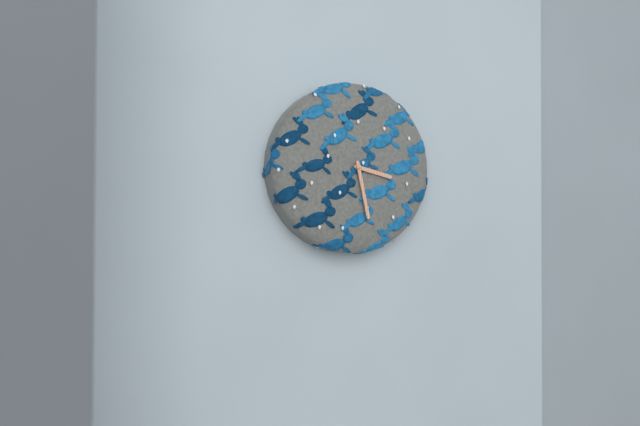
{"hour": 3, "minute": 28}
